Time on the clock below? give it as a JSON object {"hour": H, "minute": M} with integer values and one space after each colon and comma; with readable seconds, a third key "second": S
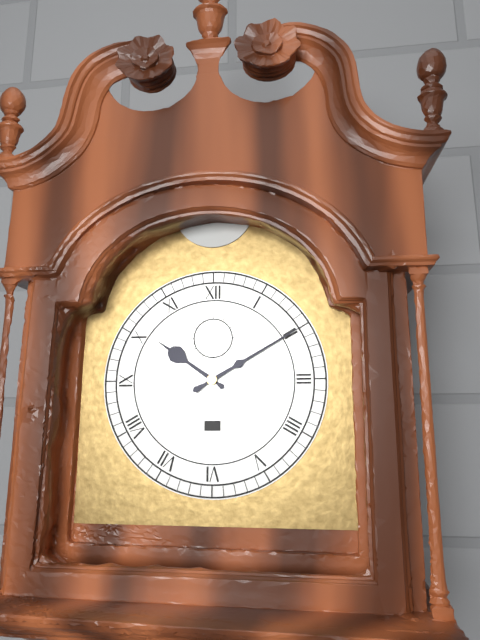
{"hour": 10, "minute": 10}
